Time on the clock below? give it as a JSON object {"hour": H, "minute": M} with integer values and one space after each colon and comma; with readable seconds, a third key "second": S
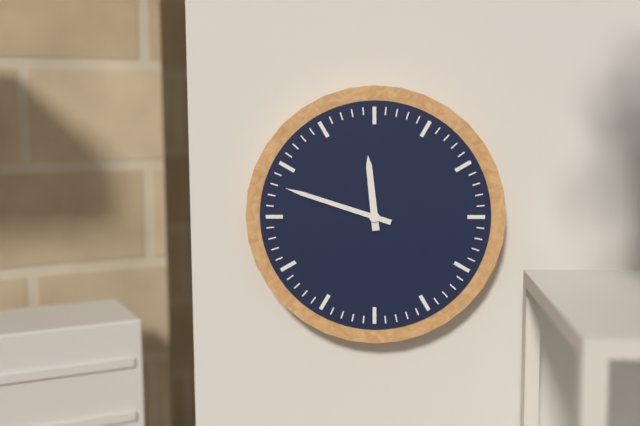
{"hour": 11, "minute": 48}
